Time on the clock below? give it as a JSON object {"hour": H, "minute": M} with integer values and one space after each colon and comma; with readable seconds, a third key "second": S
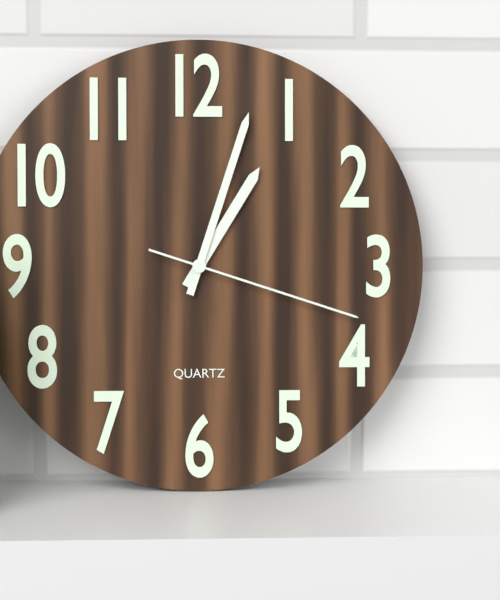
{"hour": 1, "minute": 3, "second": 18}
